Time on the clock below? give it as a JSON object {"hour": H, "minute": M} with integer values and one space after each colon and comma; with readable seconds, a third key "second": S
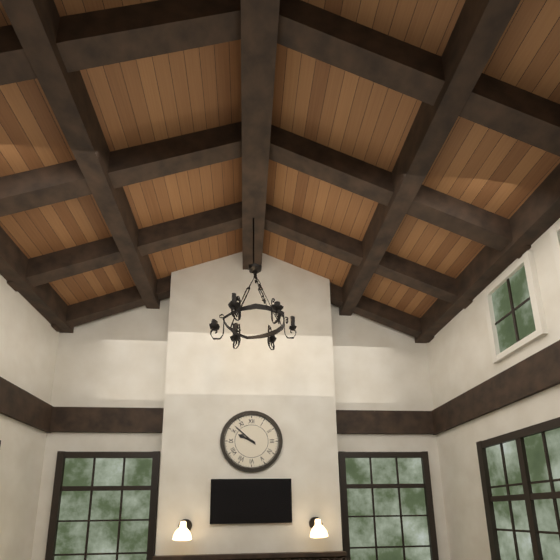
{"hour": 9, "minute": 52}
